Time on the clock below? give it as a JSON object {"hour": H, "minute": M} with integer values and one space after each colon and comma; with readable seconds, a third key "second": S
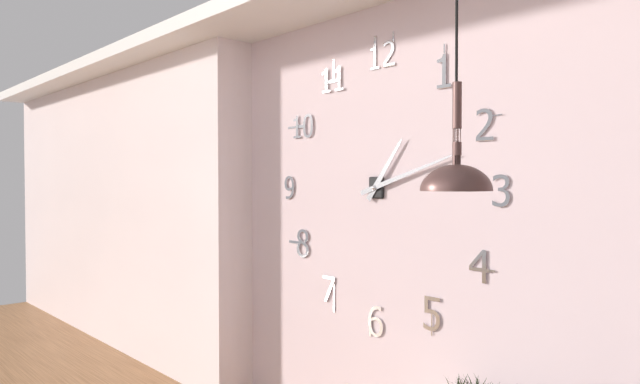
{"hour": 1, "minute": 12}
